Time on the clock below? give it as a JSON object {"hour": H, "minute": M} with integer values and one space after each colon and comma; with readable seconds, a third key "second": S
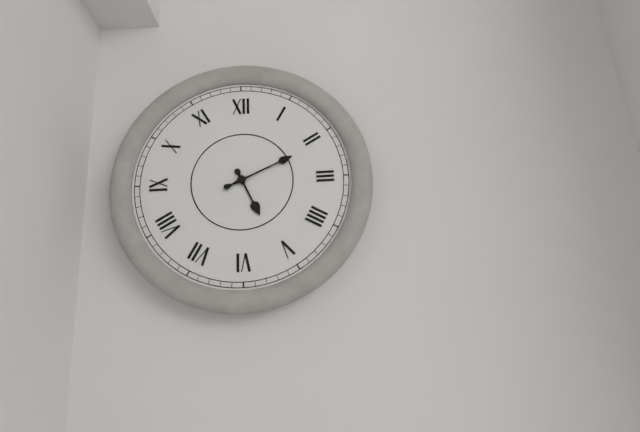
{"hour": 5, "minute": 11}
